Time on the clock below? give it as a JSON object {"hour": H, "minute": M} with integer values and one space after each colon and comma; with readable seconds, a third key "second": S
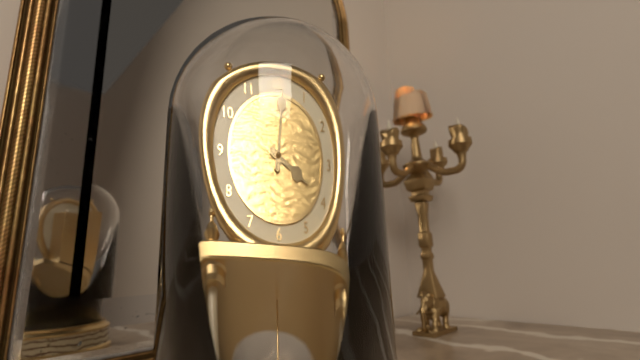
{"hour": 4, "minute": 1}
